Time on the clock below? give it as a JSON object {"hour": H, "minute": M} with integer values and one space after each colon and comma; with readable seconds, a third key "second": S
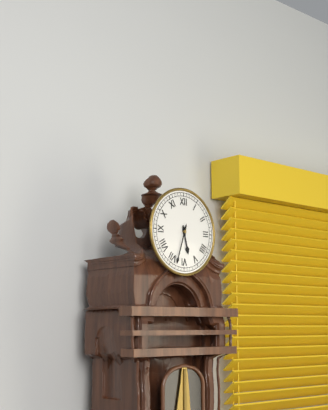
{"hour": 5, "minute": 33}
